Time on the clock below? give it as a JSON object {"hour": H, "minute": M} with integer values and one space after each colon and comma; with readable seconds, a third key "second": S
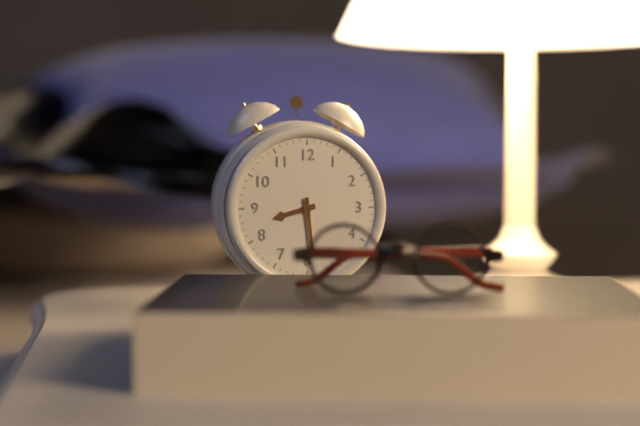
{"hour": 8, "minute": 29}
